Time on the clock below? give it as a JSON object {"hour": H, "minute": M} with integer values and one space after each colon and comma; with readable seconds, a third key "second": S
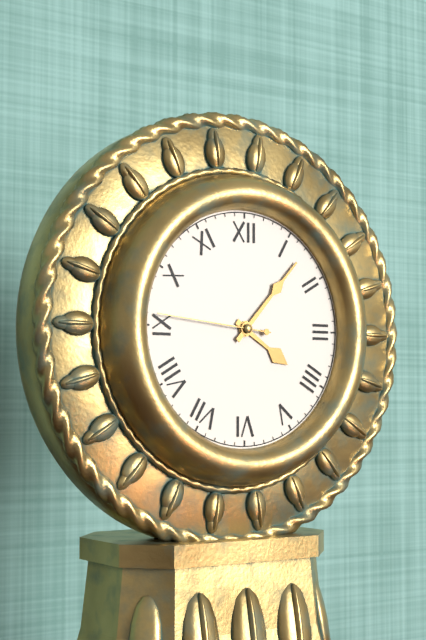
{"hour": 4, "minute": 7, "second": 46}
